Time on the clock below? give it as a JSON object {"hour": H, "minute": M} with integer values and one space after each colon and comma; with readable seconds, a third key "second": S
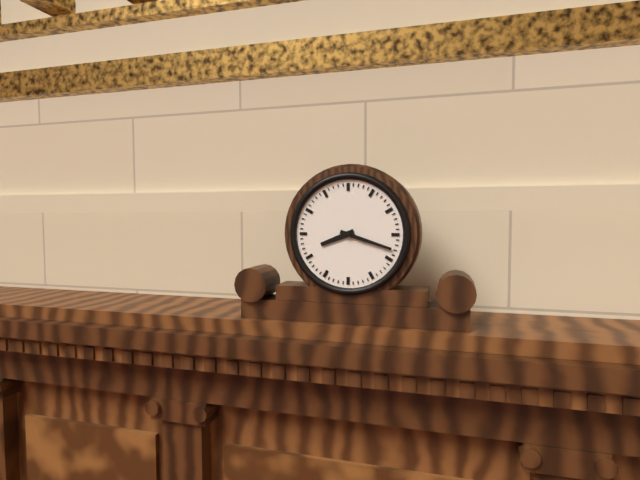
{"hour": 8, "minute": 18}
